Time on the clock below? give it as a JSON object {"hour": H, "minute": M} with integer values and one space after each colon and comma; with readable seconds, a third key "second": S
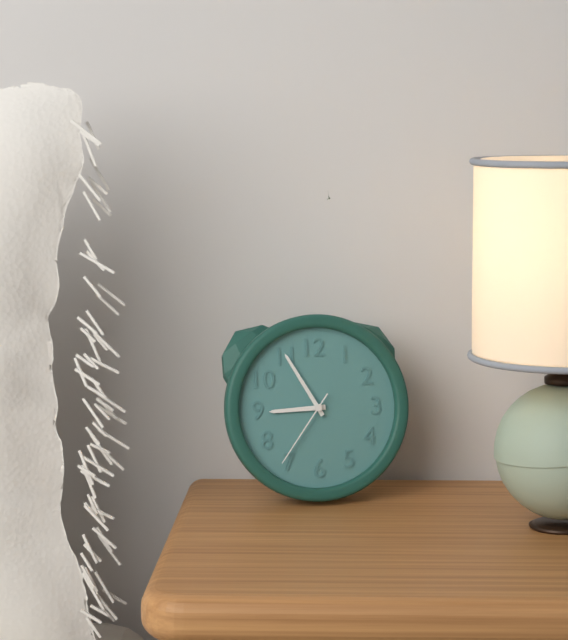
{"hour": 8, "minute": 55, "second": 36}
